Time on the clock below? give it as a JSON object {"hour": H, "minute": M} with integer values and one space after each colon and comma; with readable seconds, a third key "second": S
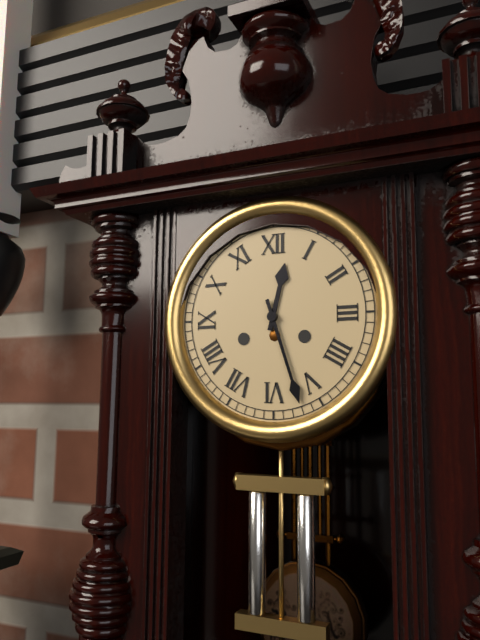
{"hour": 12, "minute": 27}
